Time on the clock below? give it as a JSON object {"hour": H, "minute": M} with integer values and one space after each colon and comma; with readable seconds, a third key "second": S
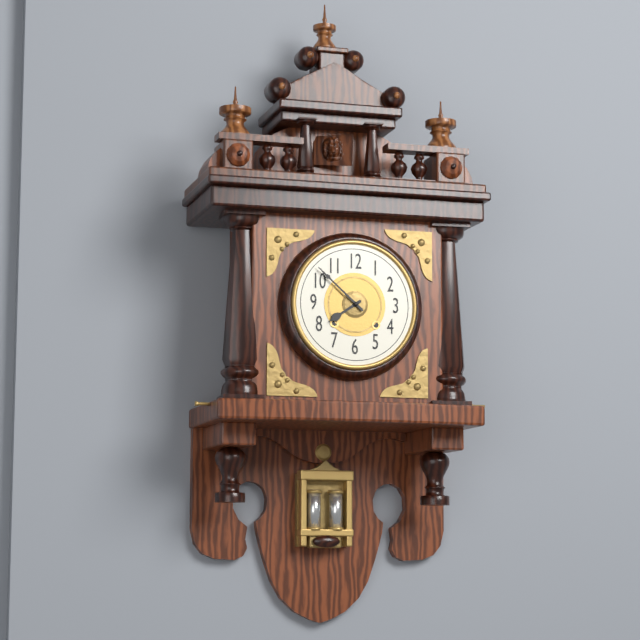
{"hour": 7, "minute": 52}
